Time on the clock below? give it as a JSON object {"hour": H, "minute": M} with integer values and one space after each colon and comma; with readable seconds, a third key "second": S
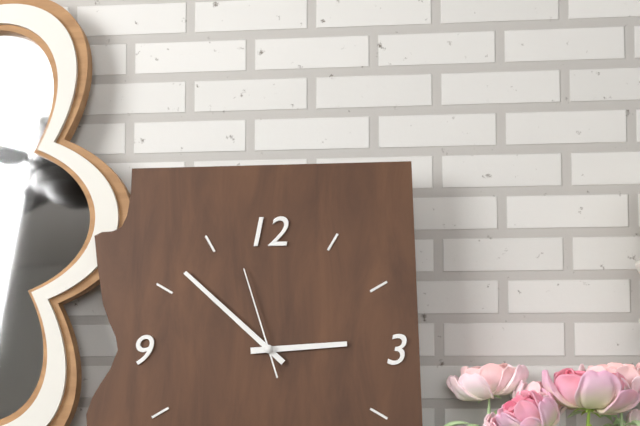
{"hour": 2, "minute": 52, "second": 57}
